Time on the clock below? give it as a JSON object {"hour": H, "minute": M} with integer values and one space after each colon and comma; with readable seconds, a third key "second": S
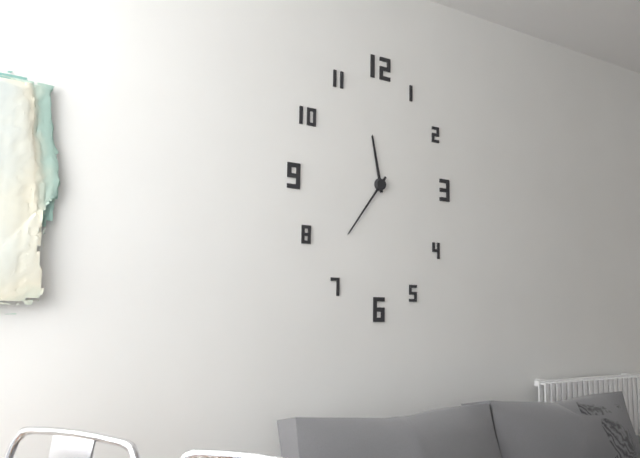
{"hour": 11, "minute": 36}
